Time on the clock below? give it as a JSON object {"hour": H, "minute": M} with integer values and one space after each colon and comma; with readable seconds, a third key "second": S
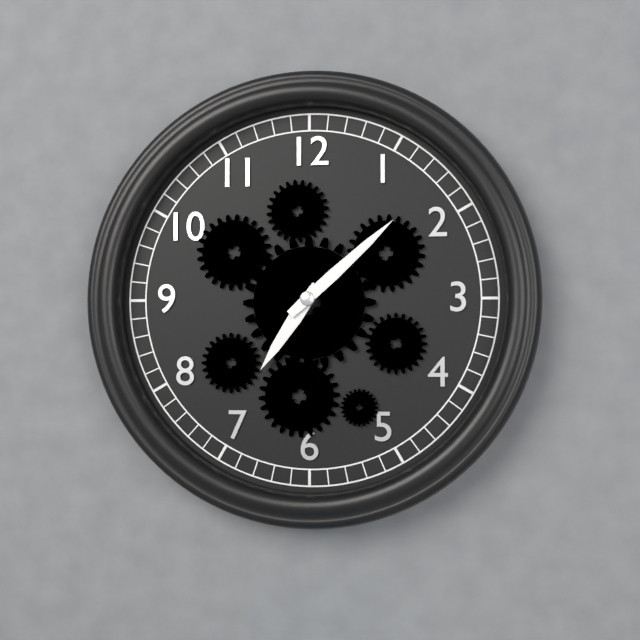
{"hour": 7, "minute": 8}
